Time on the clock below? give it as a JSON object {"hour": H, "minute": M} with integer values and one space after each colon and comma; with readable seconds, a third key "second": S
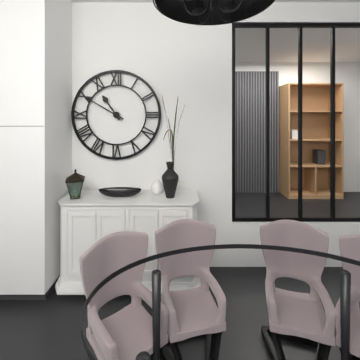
{"hour": 10, "minute": 50}
